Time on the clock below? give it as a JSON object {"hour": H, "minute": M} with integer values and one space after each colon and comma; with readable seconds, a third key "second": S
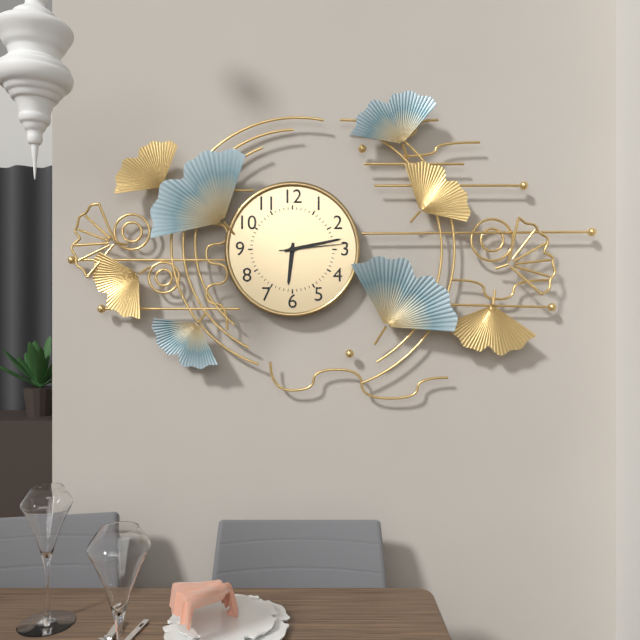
{"hour": 6, "minute": 13, "second": 14}
